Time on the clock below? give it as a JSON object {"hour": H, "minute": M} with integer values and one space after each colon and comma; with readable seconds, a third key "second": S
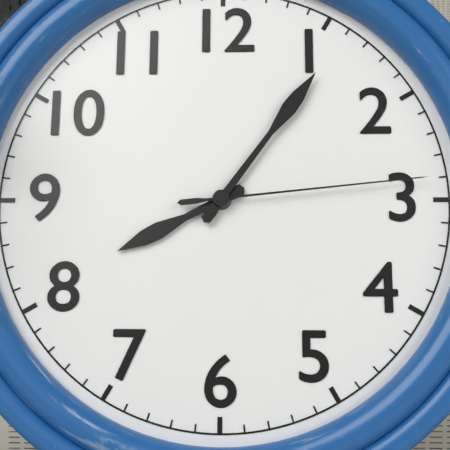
{"hour": 8, "minute": 6, "second": 14}
